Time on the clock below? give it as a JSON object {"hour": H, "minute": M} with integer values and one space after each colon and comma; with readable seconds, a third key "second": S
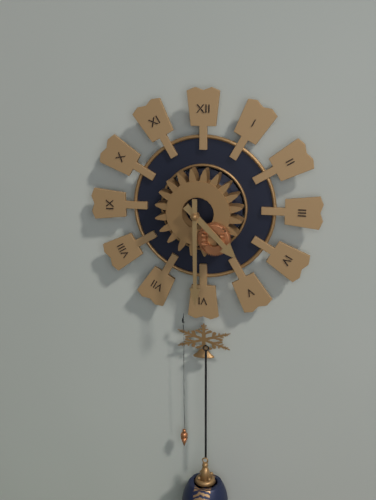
{"hour": 4, "minute": 30}
